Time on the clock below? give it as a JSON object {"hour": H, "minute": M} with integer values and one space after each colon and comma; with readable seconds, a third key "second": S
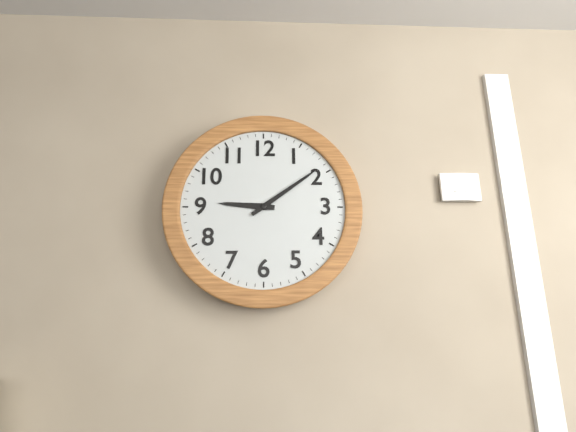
{"hour": 9, "minute": 9}
